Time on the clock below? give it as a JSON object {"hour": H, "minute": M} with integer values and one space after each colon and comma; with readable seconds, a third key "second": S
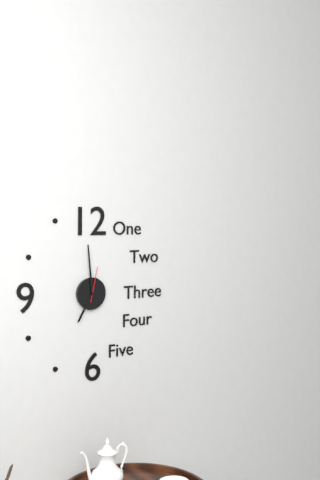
{"hour": 6, "minute": 59}
